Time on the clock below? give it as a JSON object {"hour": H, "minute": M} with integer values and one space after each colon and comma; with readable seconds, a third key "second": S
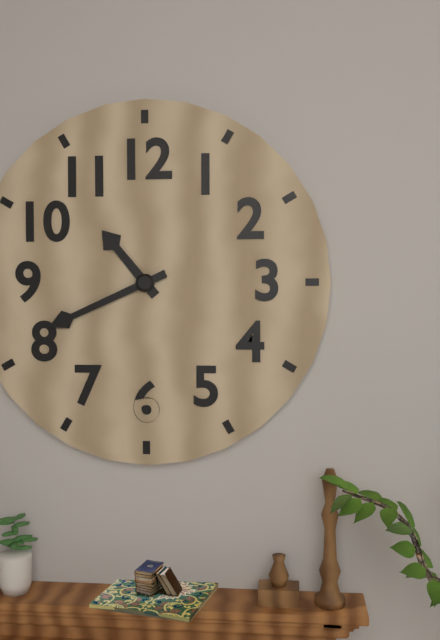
{"hour": 10, "minute": 41}
